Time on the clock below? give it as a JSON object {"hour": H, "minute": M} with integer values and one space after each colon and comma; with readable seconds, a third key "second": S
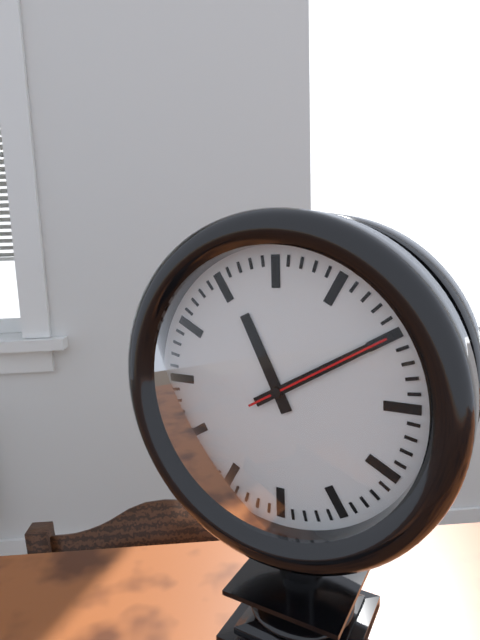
{"hour": 11, "minute": 10, "second": 10}
